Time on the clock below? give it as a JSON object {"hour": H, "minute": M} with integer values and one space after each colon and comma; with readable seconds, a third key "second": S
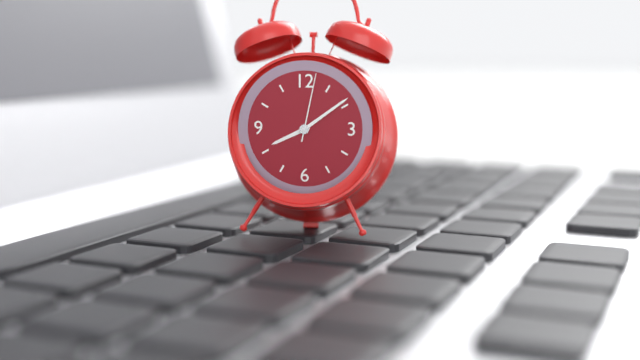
{"hour": 8, "minute": 9, "second": 2}
